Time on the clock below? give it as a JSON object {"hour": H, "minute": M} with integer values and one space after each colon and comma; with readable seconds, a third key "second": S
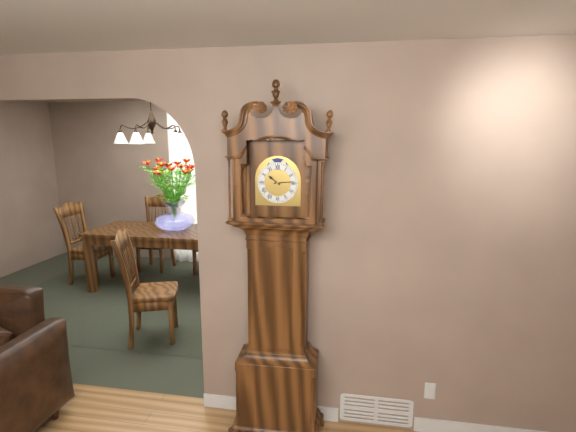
{"hour": 10, "minute": 14}
